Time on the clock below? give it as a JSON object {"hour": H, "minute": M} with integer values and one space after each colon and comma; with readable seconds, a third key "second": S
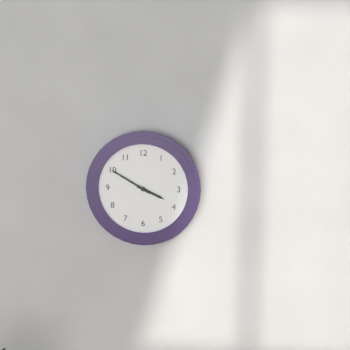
{"hour": 3, "minute": 50}
